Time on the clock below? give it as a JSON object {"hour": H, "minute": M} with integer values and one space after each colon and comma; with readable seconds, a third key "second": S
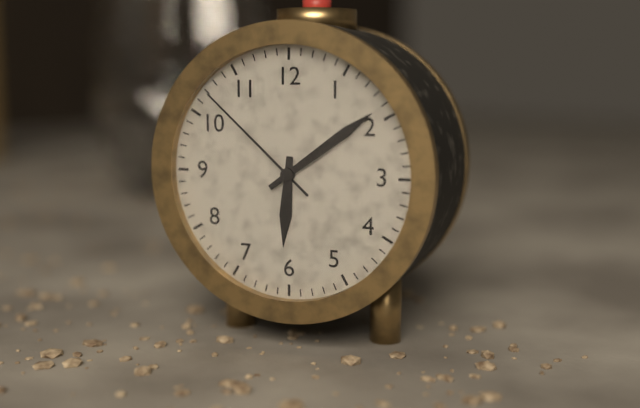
{"hour": 6, "minute": 9, "second": 52}
